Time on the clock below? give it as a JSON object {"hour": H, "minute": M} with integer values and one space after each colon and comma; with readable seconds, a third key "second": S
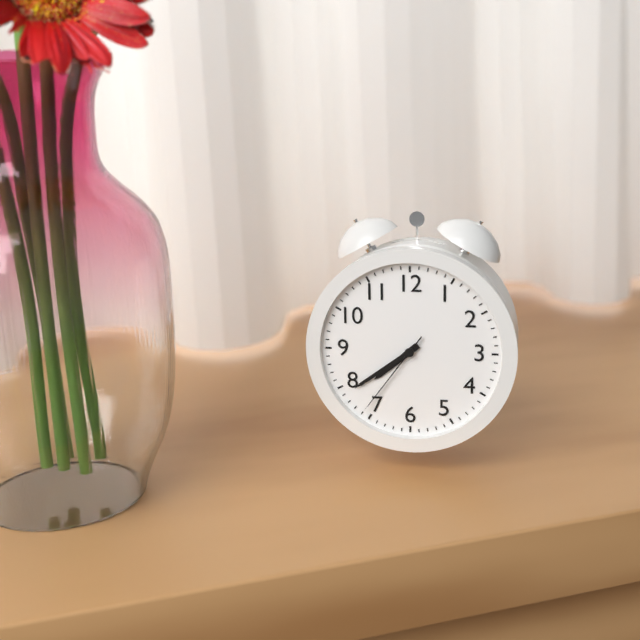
{"hour": 7, "minute": 39, "second": 36}
